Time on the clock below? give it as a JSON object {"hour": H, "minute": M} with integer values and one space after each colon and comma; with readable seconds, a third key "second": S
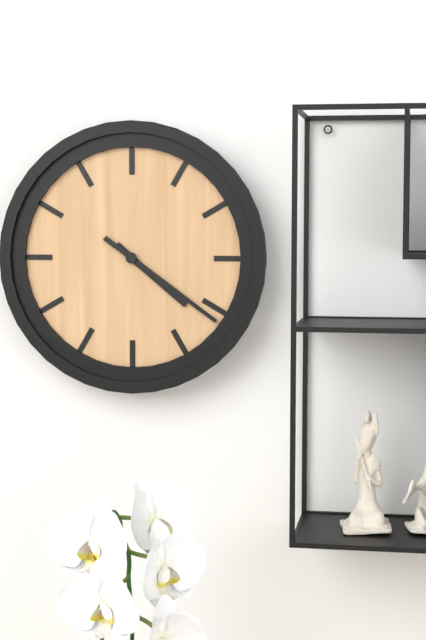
{"hour": 4, "minute": 21}
